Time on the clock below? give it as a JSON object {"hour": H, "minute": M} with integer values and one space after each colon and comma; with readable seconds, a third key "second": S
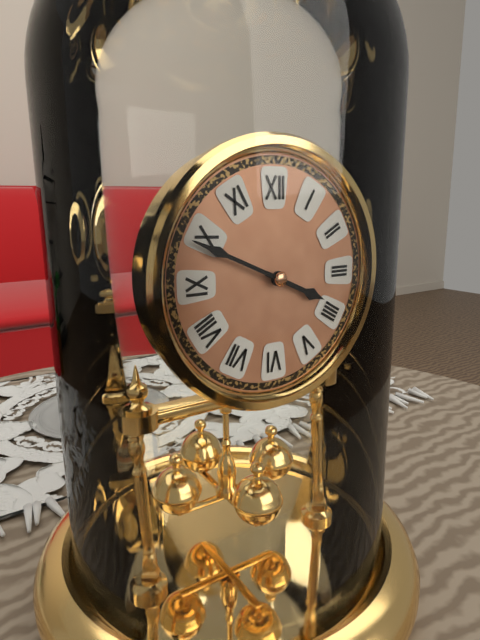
{"hour": 3, "minute": 49}
